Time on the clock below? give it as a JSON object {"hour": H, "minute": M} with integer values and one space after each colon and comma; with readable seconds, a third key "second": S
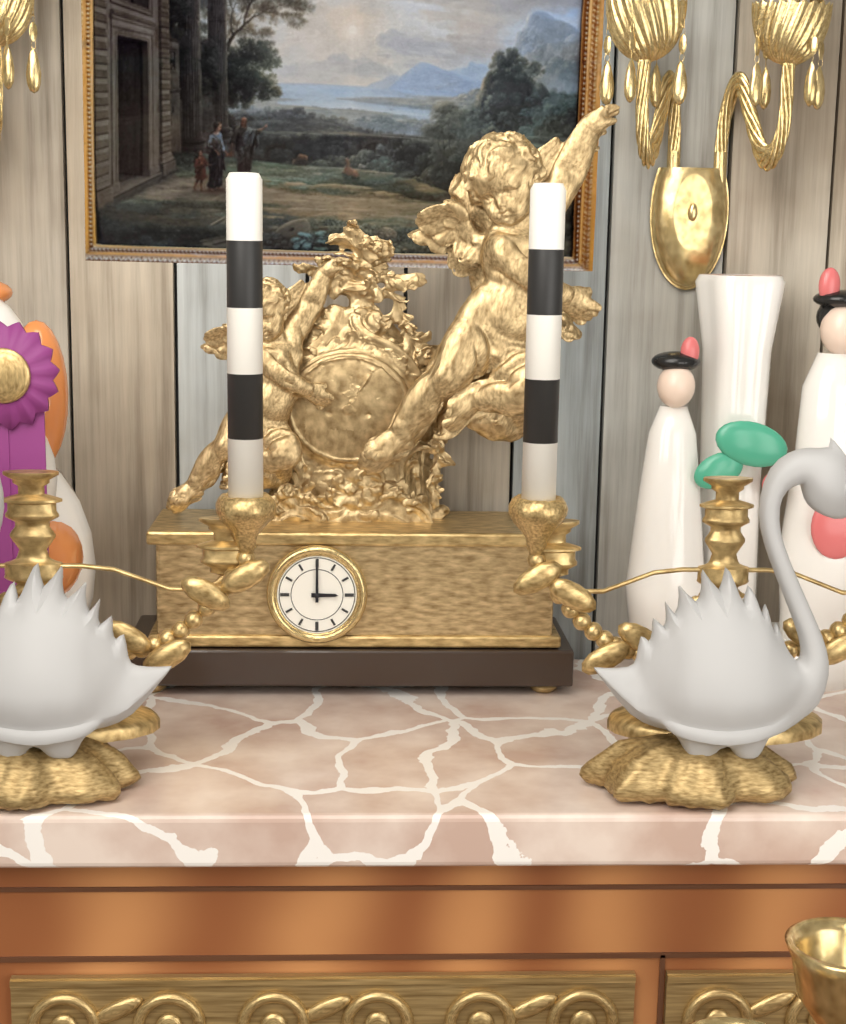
{"hour": 3, "minute": 0}
